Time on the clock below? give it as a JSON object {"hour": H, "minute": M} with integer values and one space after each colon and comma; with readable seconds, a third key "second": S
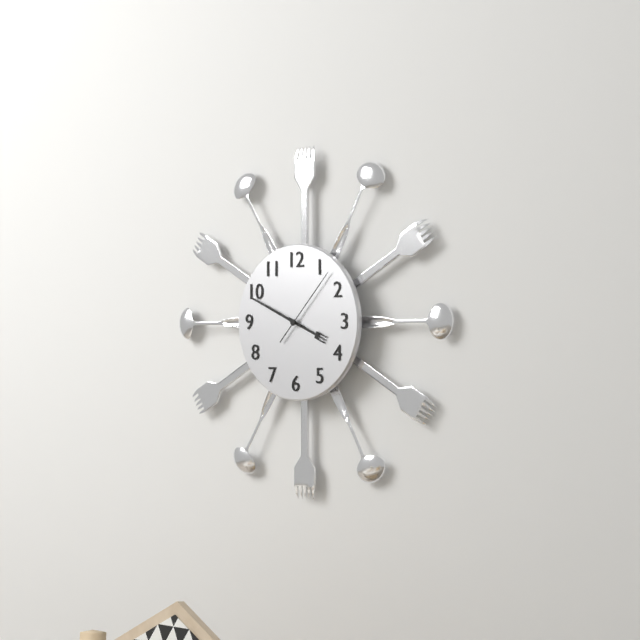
{"hour": 3, "minute": 49, "second": 7}
